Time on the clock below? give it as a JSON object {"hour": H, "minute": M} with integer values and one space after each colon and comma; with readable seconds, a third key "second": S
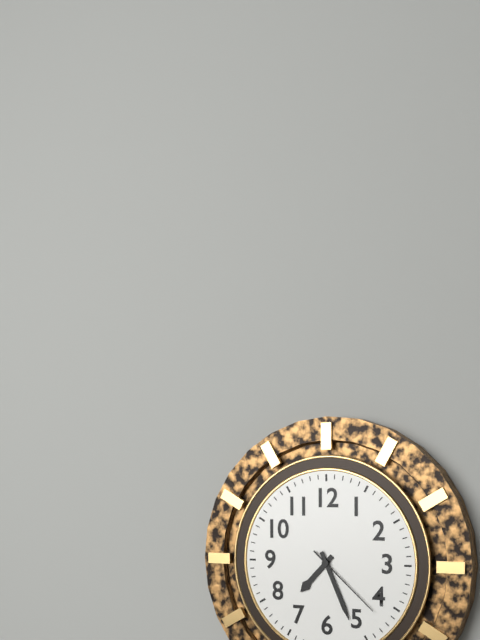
{"hour": 7, "minute": 26, "second": 22}
